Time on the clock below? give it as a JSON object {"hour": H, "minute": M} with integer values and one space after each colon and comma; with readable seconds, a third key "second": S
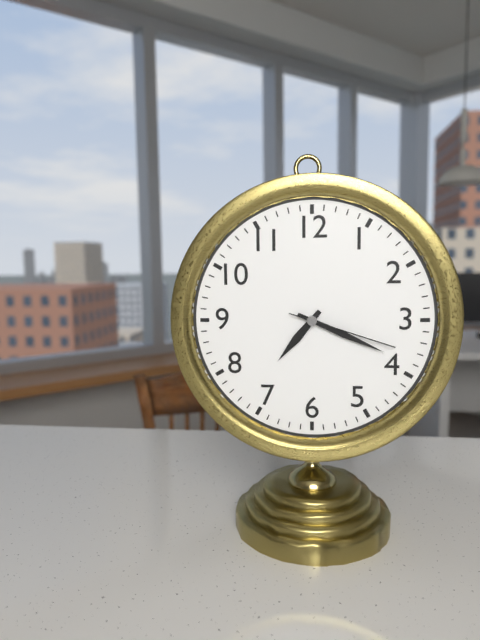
{"hour": 7, "minute": 19, "second": 18}
